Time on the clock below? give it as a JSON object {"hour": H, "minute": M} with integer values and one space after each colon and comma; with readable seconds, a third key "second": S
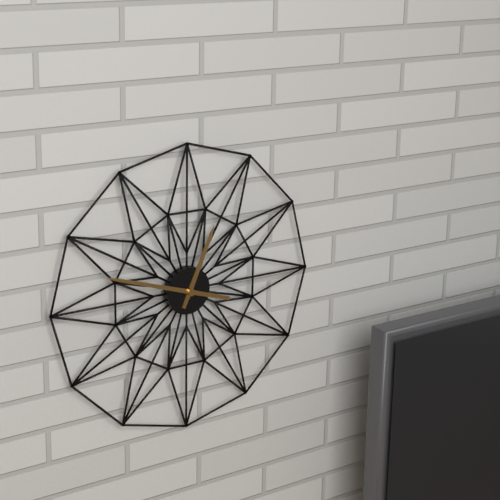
{"hour": 12, "minute": 48}
